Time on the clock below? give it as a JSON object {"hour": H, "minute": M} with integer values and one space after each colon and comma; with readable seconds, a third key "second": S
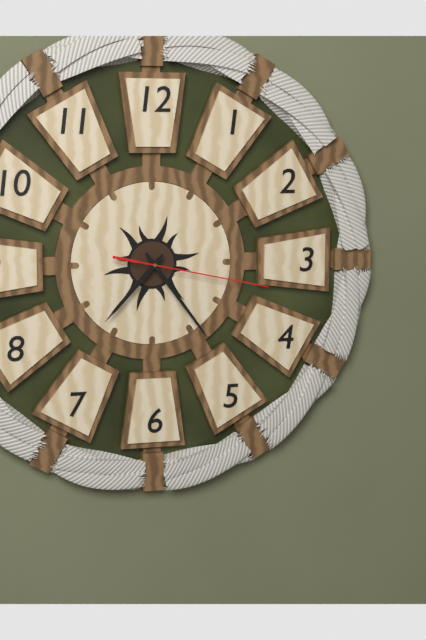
{"hour": 7, "minute": 24, "second": 17}
